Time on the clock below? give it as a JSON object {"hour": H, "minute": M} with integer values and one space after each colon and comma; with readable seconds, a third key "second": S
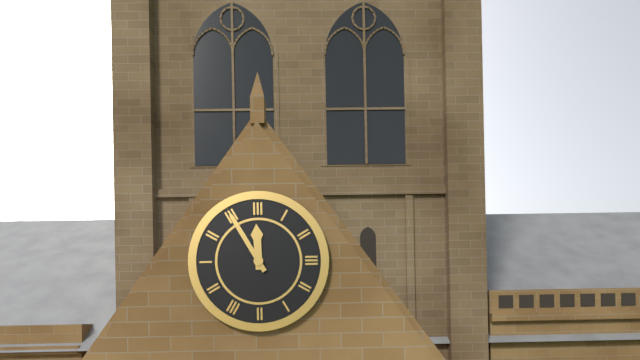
{"hour": 11, "minute": 55}
